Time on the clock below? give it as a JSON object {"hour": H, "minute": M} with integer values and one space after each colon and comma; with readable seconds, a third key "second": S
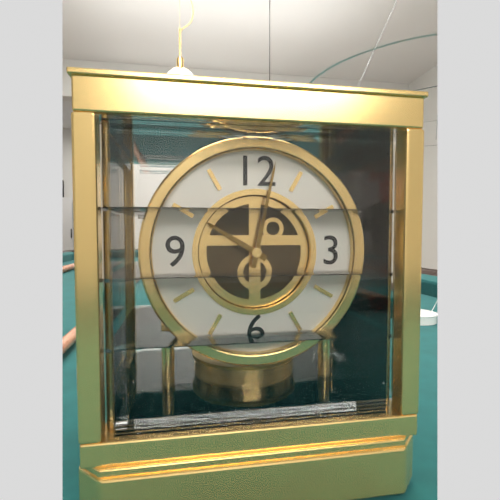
{"hour": 10, "minute": 2}
